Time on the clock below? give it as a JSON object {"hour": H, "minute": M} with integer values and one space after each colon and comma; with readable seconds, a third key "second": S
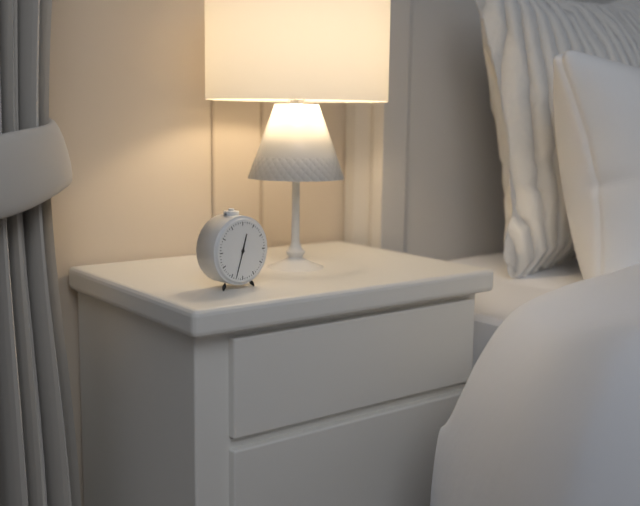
{"hour": 12, "minute": 33}
